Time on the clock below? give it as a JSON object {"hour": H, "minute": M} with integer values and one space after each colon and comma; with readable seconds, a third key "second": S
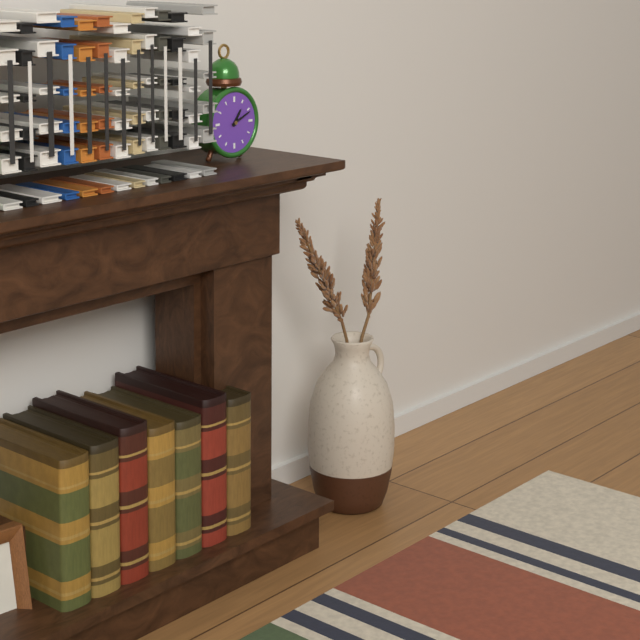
{"hour": 1, "minute": 11}
